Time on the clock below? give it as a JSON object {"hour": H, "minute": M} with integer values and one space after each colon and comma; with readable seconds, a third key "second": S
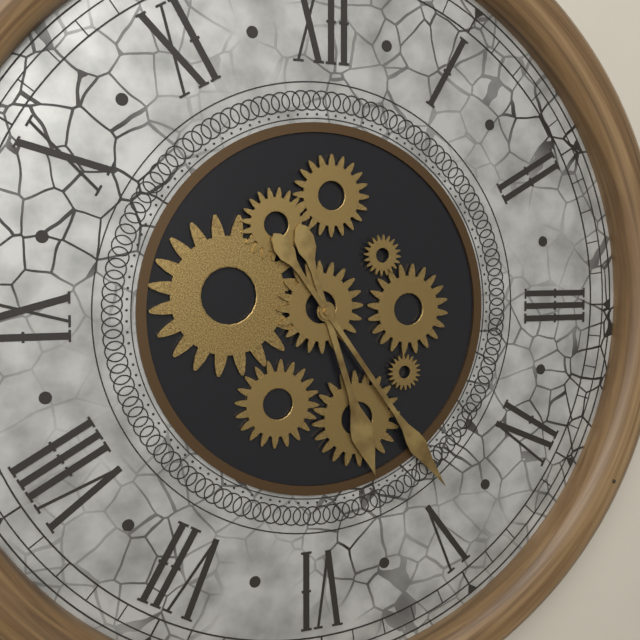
{"hour": 5, "minute": 24}
